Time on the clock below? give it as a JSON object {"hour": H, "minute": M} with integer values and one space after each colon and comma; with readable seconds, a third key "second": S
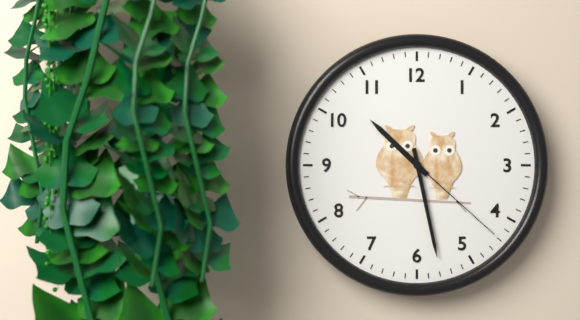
{"hour": 10, "minute": 28, "second": 22}
